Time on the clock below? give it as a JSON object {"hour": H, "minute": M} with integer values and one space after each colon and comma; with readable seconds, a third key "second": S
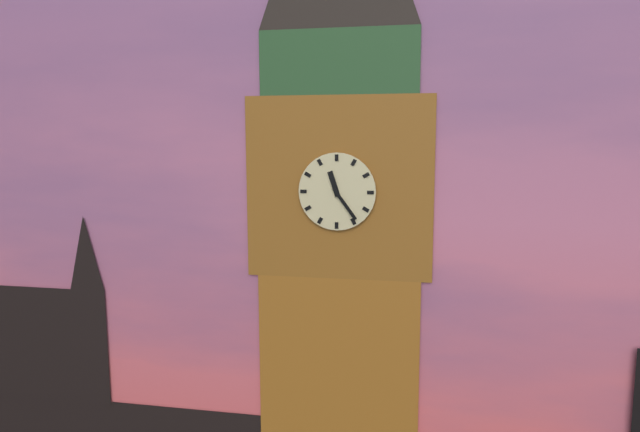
{"hour": 11, "minute": 24}
